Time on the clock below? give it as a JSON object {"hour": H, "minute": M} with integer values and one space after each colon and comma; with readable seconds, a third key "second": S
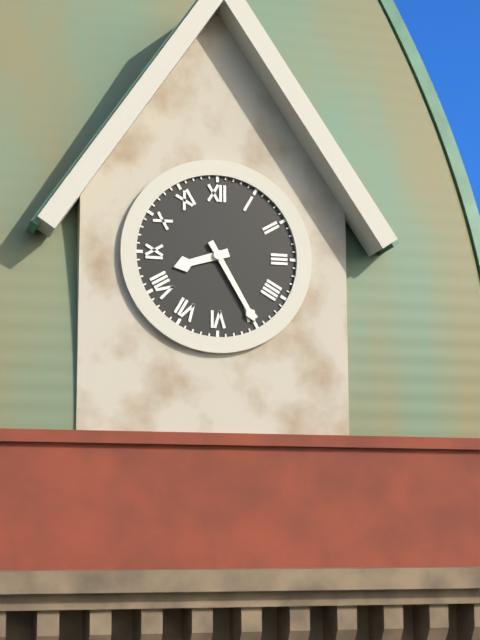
{"hour": 8, "minute": 25}
